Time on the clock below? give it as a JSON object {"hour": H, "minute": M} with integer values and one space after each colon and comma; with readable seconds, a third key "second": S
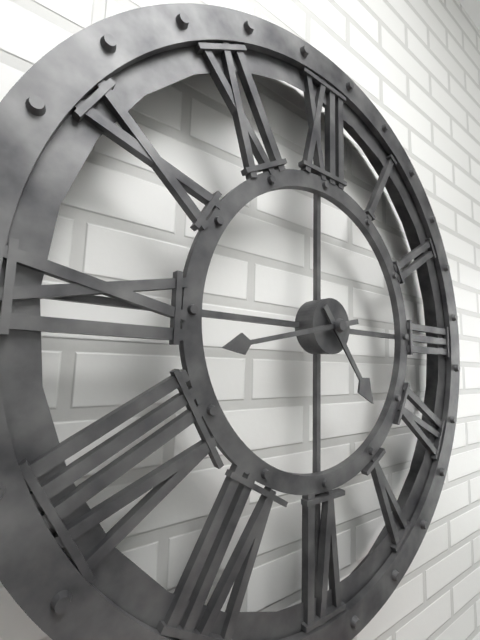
{"hour": 4, "minute": 43}
